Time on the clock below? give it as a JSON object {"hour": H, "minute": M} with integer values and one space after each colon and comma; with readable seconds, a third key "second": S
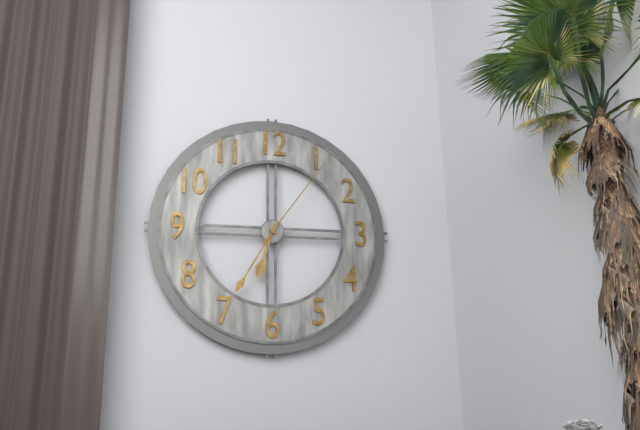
{"hour": 6, "minute": 35, "second": 6}
